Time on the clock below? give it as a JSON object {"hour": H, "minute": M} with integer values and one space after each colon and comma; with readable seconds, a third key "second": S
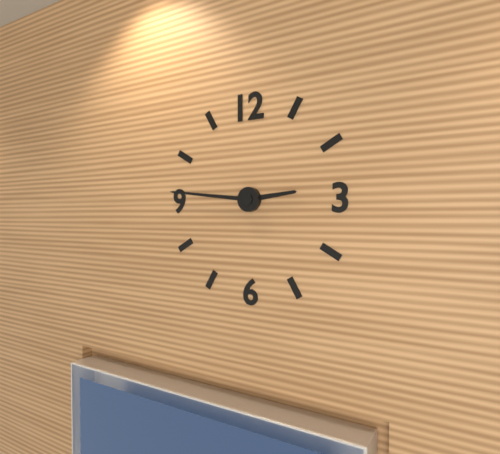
{"hour": 2, "minute": 46}
